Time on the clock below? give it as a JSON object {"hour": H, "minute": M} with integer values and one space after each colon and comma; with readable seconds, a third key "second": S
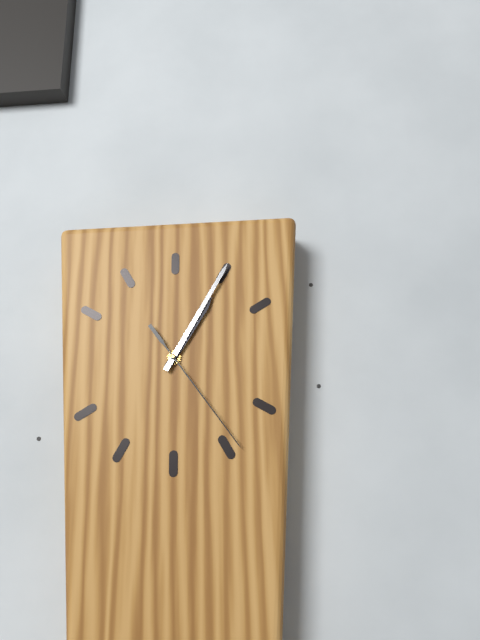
{"hour": 1, "minute": 5, "second": 24}
